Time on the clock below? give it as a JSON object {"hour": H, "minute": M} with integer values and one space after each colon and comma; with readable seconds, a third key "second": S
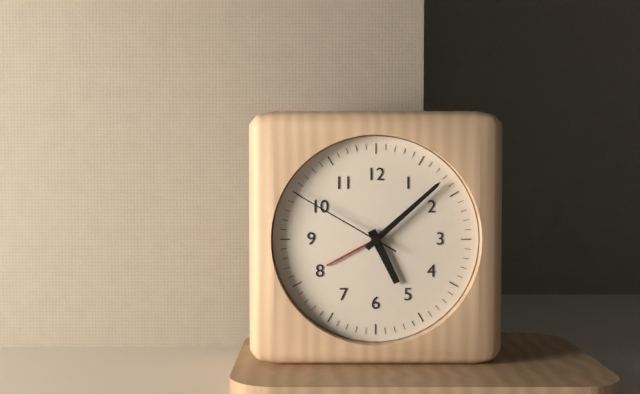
{"hour": 5, "minute": 8, "second": 50}
